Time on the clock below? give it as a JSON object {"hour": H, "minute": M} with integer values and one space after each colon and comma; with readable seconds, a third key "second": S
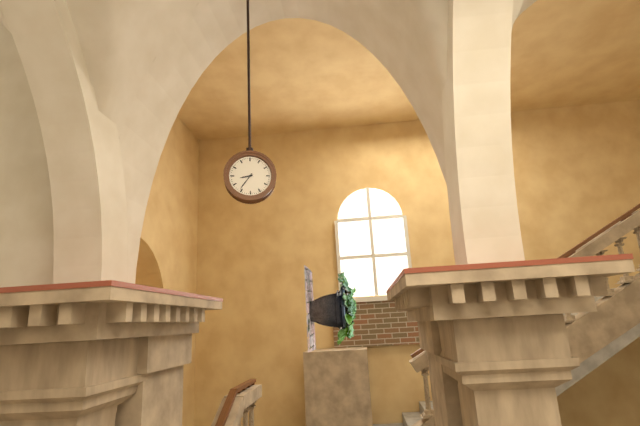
{"hour": 8, "minute": 36}
